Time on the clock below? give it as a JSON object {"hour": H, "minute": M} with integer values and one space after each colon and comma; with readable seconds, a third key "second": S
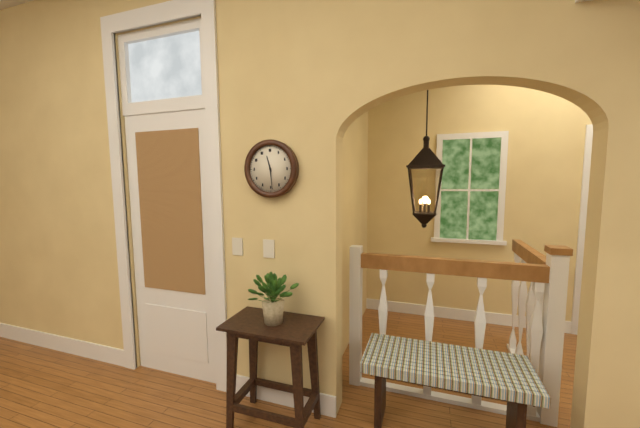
{"hour": 11, "minute": 29}
